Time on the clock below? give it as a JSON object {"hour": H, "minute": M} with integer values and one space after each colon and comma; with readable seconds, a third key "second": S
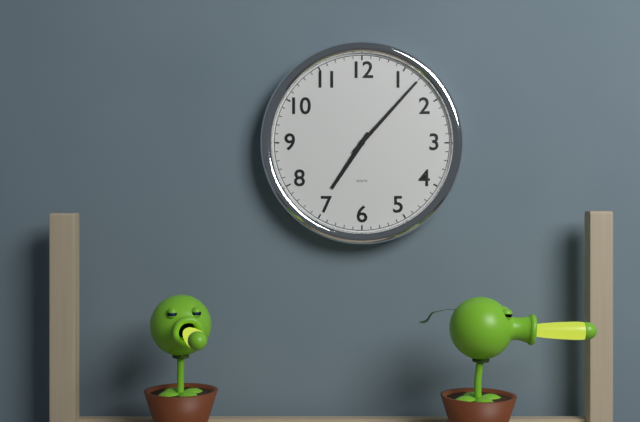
{"hour": 7, "minute": 7}
